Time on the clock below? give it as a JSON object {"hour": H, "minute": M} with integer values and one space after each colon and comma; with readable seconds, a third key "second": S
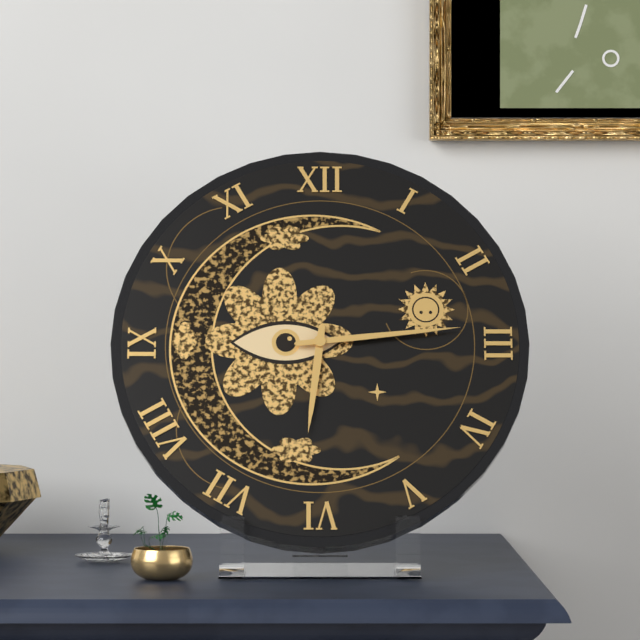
{"hour": 6, "minute": 14}
